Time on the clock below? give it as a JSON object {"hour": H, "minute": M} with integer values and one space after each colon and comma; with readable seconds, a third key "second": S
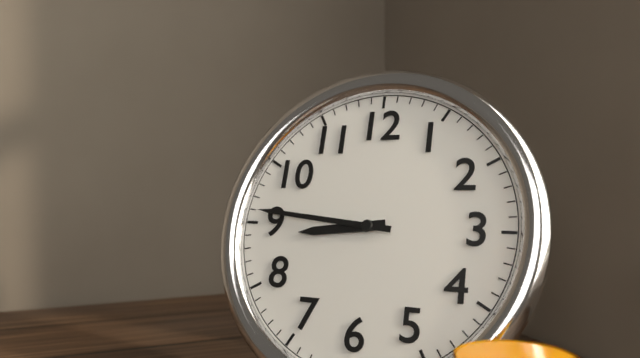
{"hour": 8, "minute": 46}
